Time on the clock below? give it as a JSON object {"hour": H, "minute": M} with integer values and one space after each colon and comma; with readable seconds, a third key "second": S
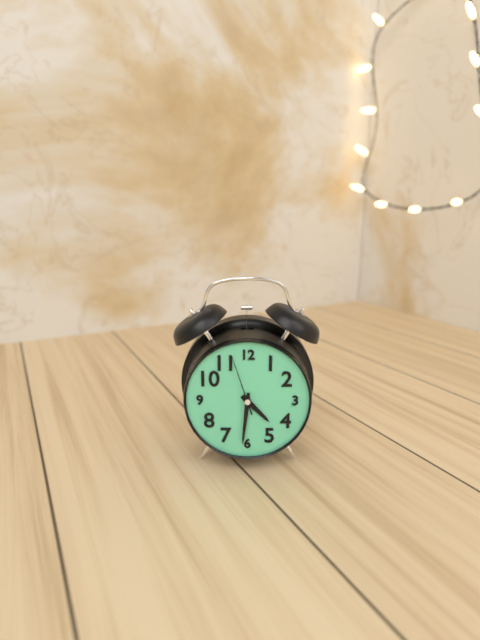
{"hour": 4, "minute": 31, "second": 57}
